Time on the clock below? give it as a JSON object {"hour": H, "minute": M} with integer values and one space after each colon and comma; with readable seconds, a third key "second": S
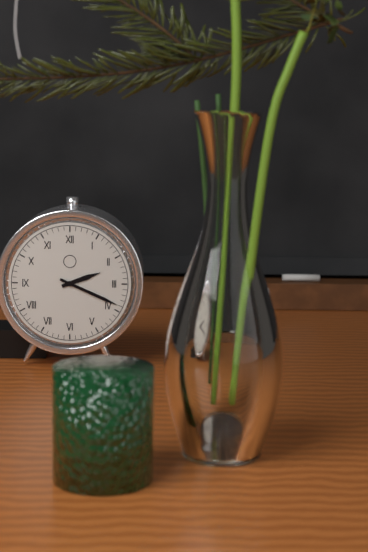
{"hour": 2, "minute": 19}
